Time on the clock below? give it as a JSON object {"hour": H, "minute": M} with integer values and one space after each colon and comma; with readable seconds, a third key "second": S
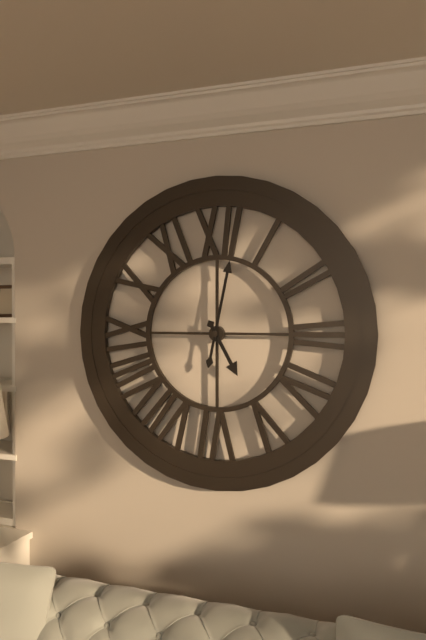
{"hour": 5, "minute": 2}
